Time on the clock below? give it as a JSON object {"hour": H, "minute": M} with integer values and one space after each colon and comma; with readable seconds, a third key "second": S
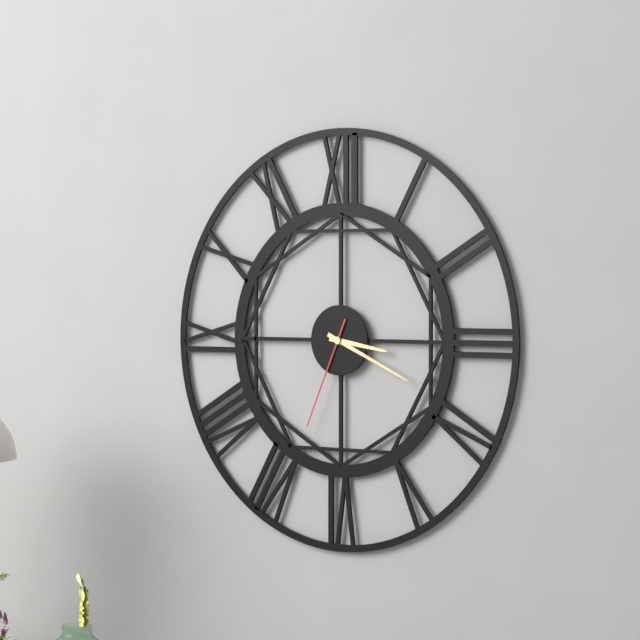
{"hour": 3, "minute": 19, "second": 34}
